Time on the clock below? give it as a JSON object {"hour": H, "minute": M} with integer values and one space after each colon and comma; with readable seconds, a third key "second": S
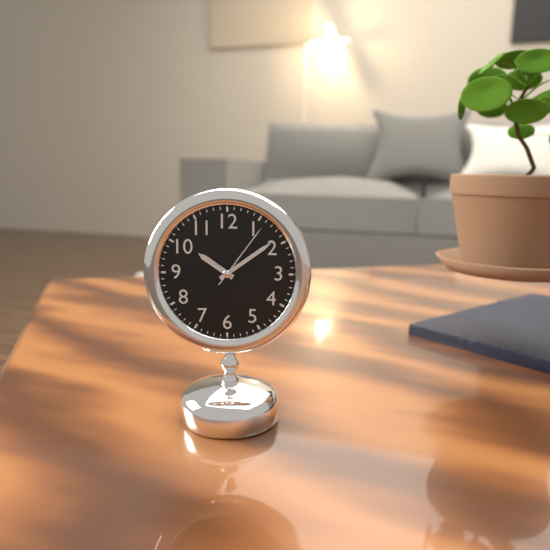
{"hour": 10, "minute": 9, "second": 6}
